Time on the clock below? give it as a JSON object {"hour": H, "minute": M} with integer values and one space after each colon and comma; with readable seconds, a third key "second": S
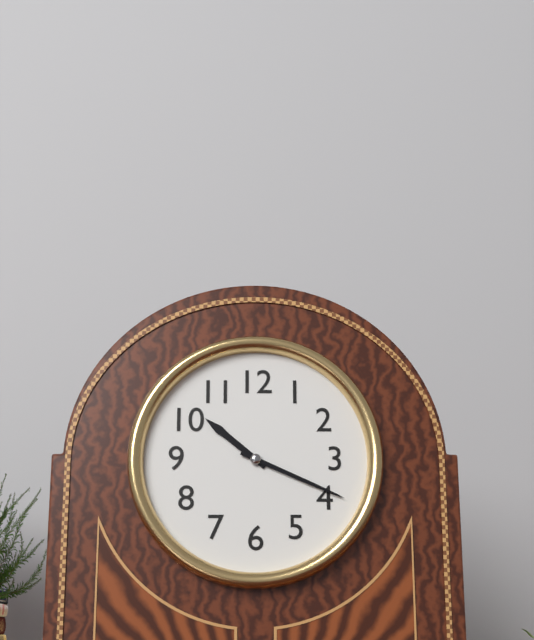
{"hour": 10, "minute": 19}
